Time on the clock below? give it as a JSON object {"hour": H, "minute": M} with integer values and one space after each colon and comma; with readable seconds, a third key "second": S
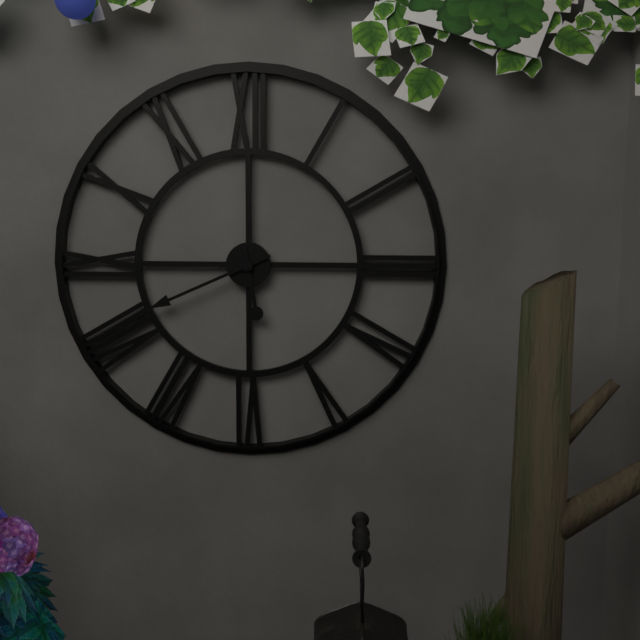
{"hour": 5, "minute": 41}
